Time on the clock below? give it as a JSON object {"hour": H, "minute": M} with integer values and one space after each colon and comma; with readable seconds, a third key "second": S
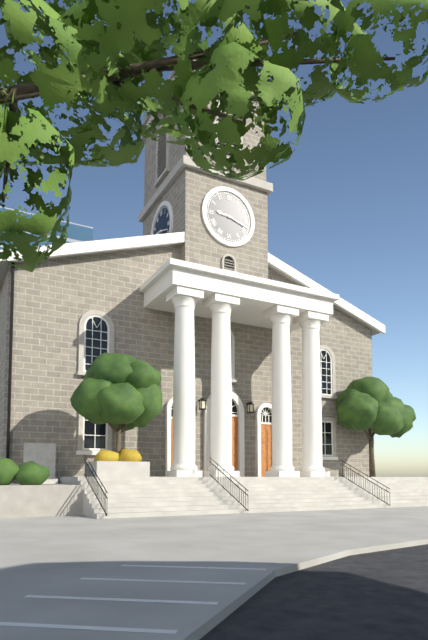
{"hour": 9, "minute": 18}
